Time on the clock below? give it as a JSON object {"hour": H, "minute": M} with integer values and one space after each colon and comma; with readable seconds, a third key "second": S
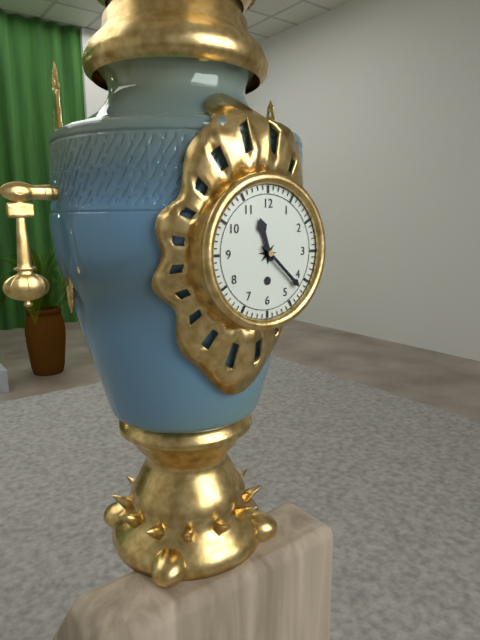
{"hour": 11, "minute": 22}
